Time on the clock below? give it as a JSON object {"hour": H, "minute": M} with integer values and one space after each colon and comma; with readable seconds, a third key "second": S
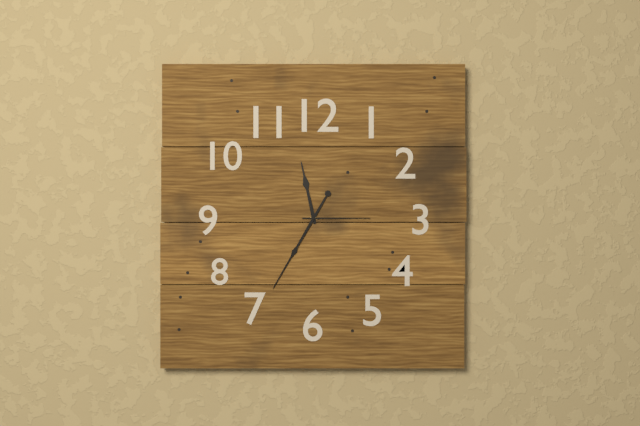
{"hour": 11, "minute": 35, "second": 15}
